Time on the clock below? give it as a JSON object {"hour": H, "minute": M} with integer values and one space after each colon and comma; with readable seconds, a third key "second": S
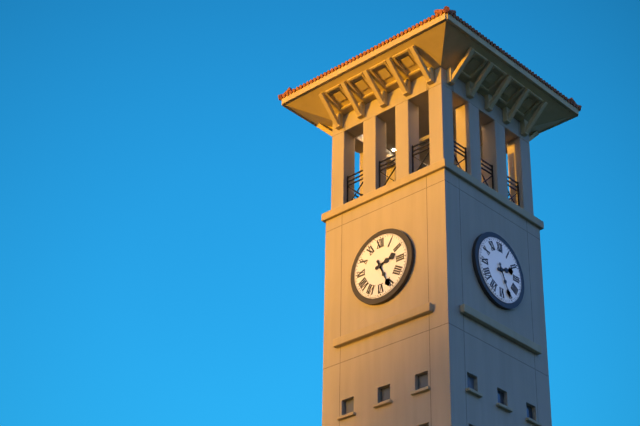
{"hour": 2, "minute": 26}
